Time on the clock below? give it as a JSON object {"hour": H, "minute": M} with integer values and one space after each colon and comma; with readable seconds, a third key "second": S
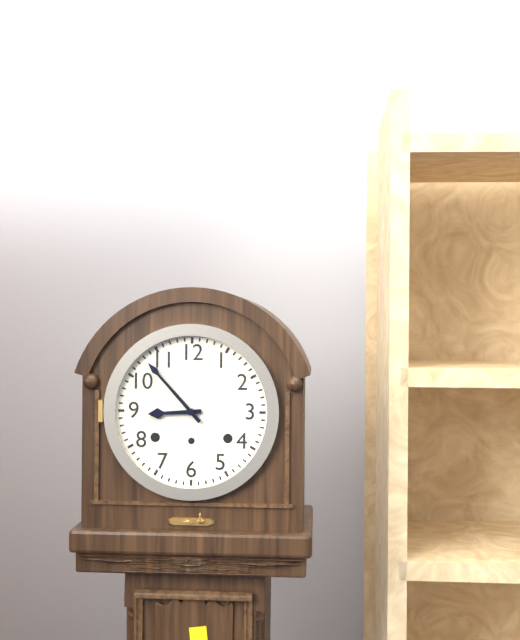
{"hour": 8, "minute": 53}
